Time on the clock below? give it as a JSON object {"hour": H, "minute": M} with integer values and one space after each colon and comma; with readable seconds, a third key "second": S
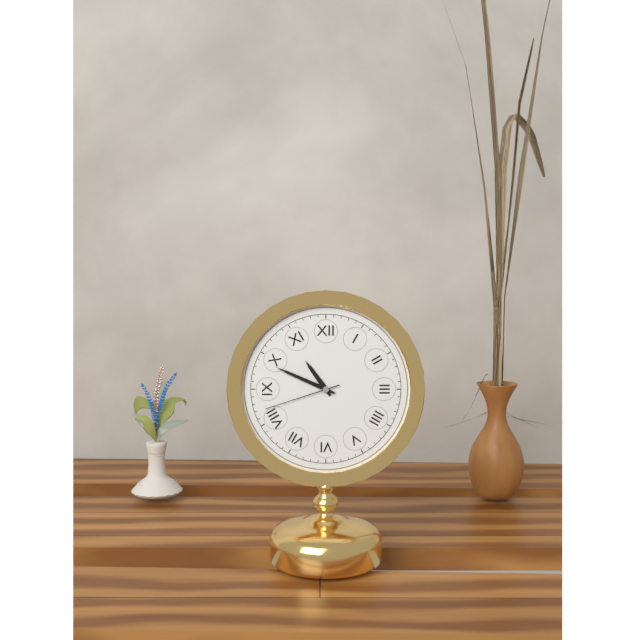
{"hour": 10, "minute": 49, "second": 42}
